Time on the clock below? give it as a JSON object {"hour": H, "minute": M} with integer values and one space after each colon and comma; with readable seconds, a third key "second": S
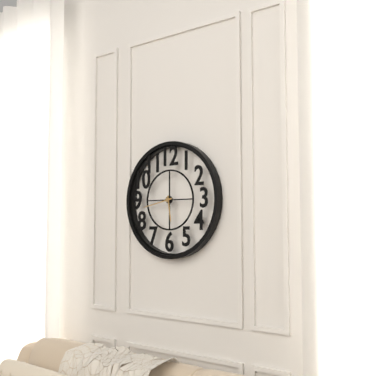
{"hour": 5, "minute": 43}
